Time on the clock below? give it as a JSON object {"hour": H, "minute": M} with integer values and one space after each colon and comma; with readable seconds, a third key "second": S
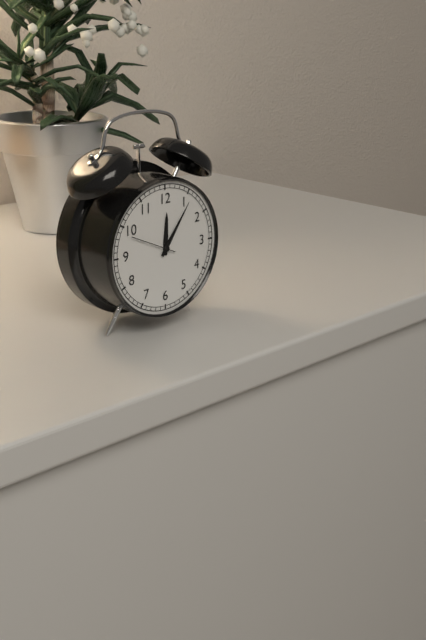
{"hour": 12, "minute": 6}
